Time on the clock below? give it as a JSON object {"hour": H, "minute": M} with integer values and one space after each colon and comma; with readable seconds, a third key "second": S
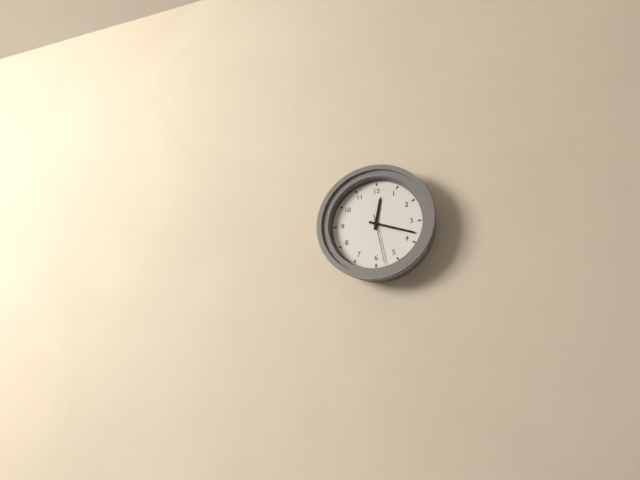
{"hour": 12, "minute": 18}
